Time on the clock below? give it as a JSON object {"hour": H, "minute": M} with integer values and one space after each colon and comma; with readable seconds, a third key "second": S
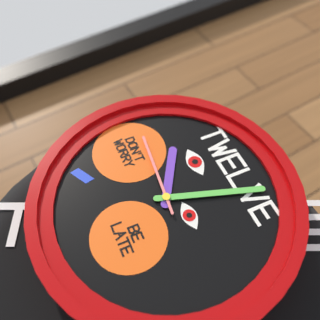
{"hour": 10, "minute": 3, "second": 46}
